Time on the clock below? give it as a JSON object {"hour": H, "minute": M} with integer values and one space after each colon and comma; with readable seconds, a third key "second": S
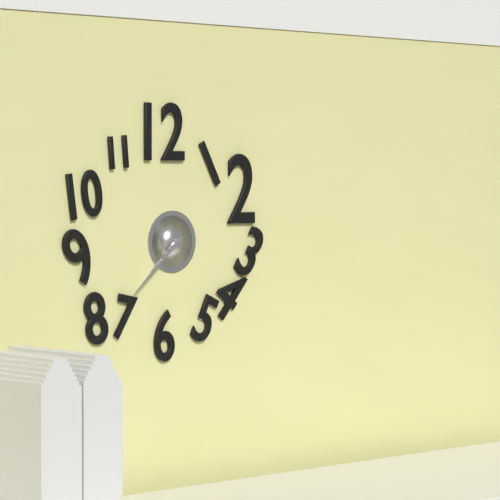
{"hour": 7, "minute": 38}
